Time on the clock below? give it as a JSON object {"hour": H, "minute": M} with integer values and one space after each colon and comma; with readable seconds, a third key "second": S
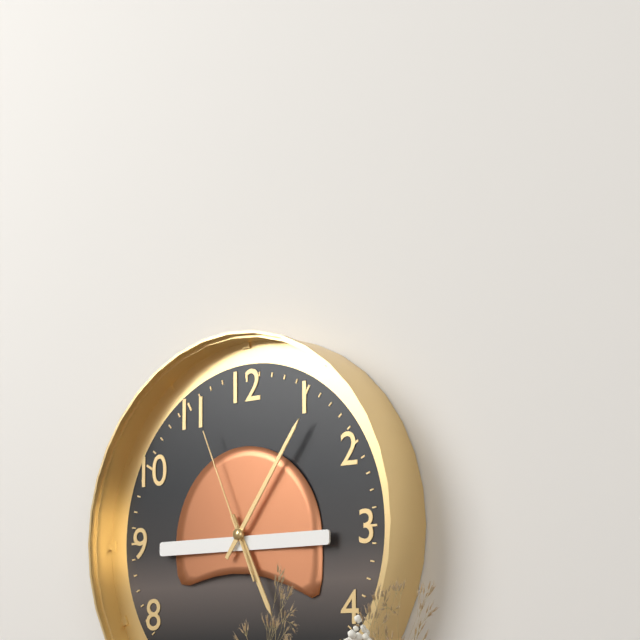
{"hour": 5, "minute": 6, "second": 56}
